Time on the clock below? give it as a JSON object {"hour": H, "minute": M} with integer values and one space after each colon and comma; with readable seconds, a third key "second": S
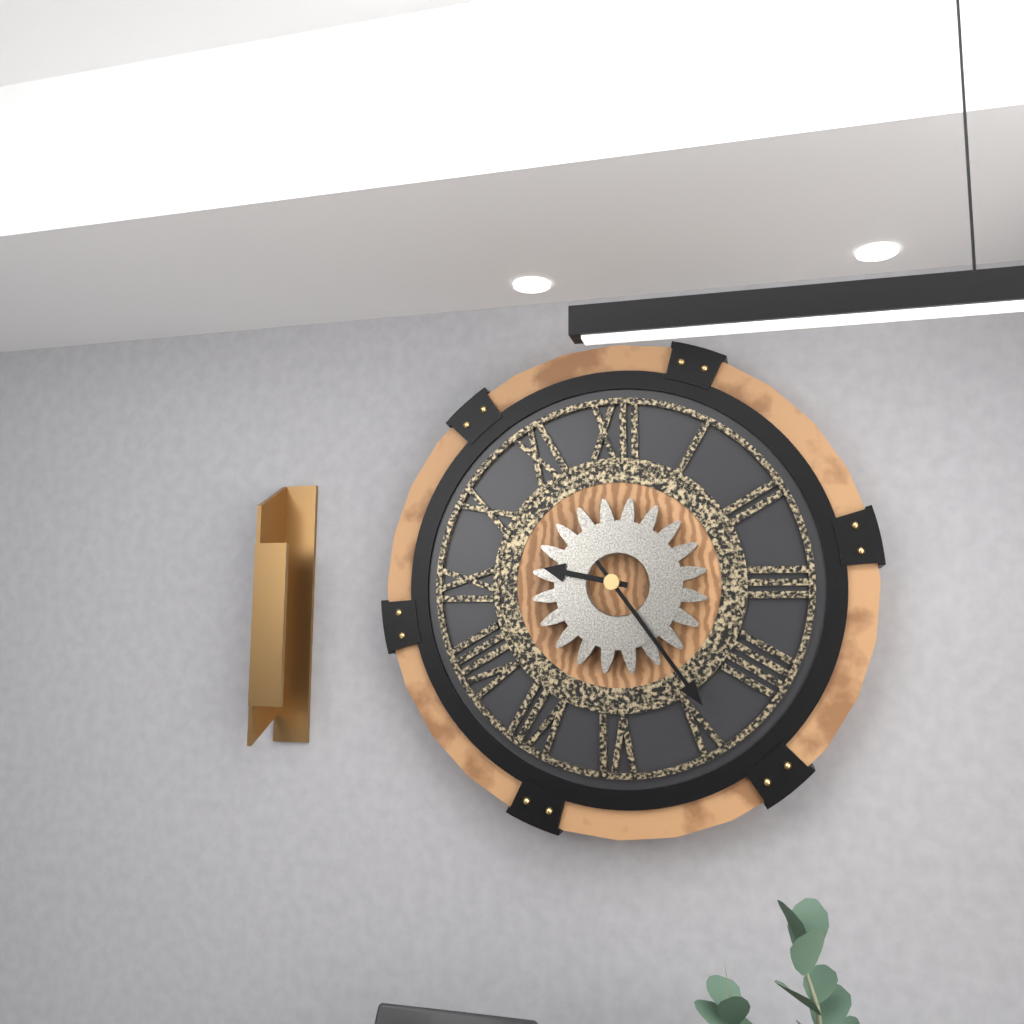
{"hour": 9, "minute": 24}
